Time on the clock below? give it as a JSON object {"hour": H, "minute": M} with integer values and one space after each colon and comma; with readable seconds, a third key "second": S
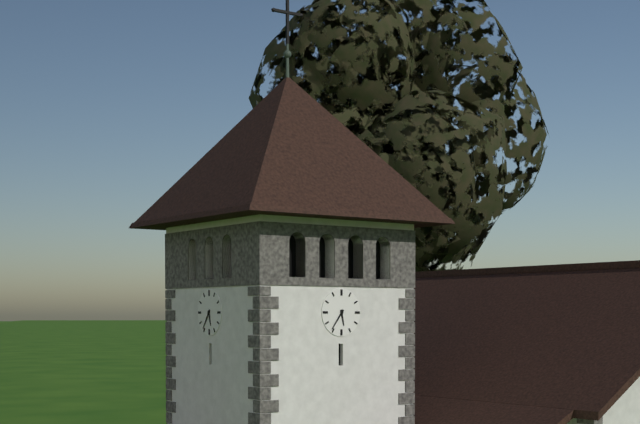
{"hour": 5, "minute": 36}
